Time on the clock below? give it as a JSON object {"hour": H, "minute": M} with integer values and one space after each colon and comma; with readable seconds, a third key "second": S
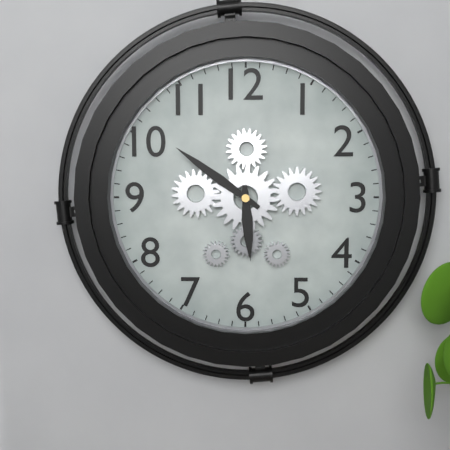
{"hour": 5, "minute": 51}
